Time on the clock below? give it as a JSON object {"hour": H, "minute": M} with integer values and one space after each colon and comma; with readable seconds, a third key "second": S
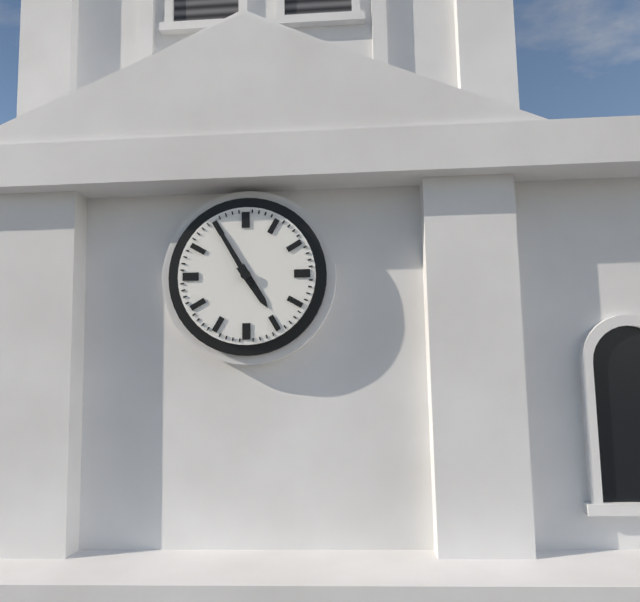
{"hour": 4, "minute": 55}
